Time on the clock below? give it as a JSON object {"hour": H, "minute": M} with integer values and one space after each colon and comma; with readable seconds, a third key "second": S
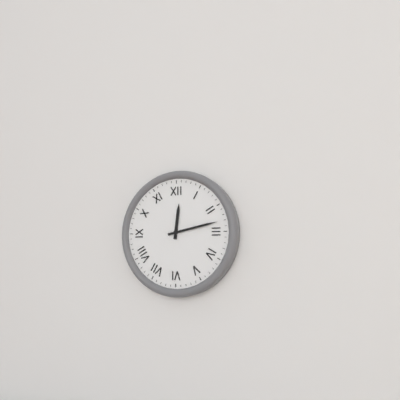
{"hour": 12, "minute": 13}
